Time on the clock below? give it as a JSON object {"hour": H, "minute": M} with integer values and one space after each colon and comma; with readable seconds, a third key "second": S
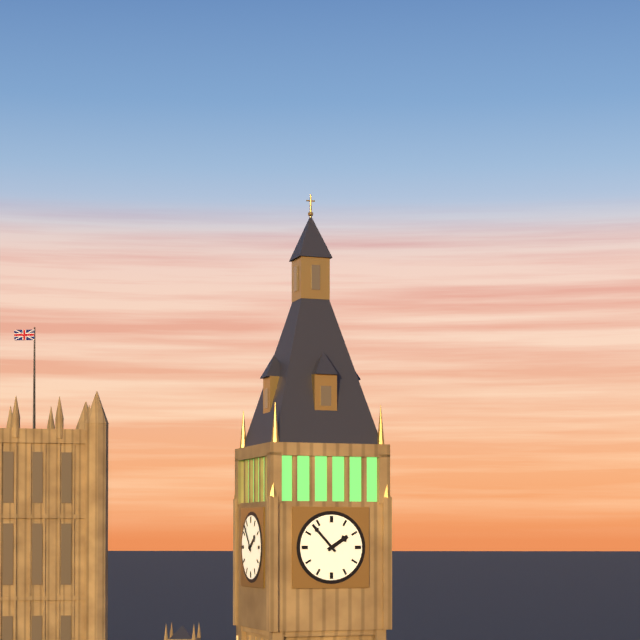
{"hour": 1, "minute": 53}
